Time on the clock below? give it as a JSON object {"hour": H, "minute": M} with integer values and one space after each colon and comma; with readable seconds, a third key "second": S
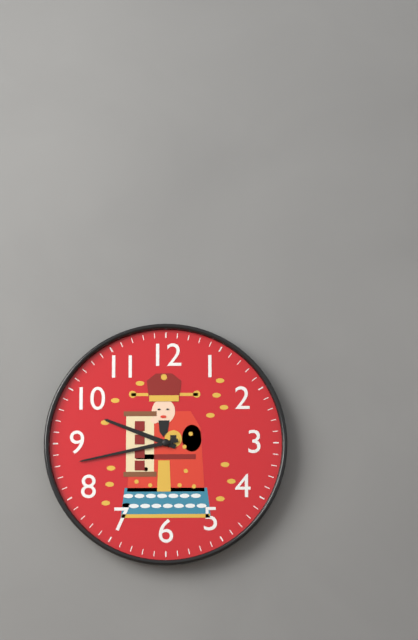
{"hour": 9, "minute": 43}
